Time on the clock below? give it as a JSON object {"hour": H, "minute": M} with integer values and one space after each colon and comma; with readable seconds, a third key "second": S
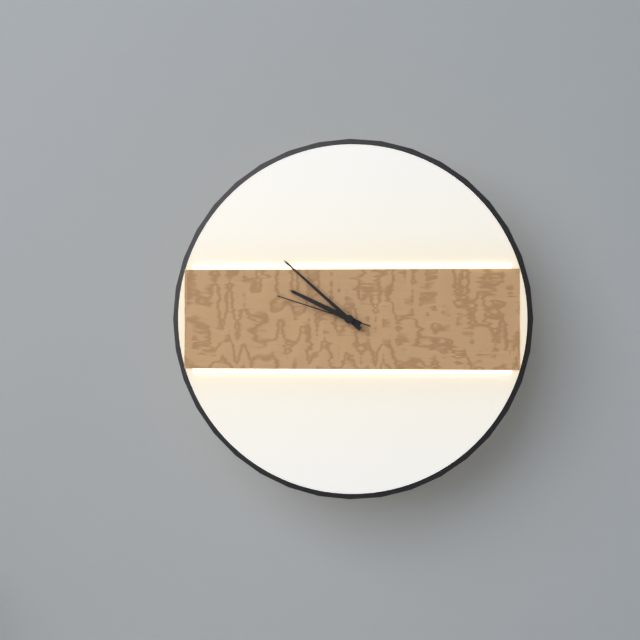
{"hour": 9, "minute": 52, "second": 48}
